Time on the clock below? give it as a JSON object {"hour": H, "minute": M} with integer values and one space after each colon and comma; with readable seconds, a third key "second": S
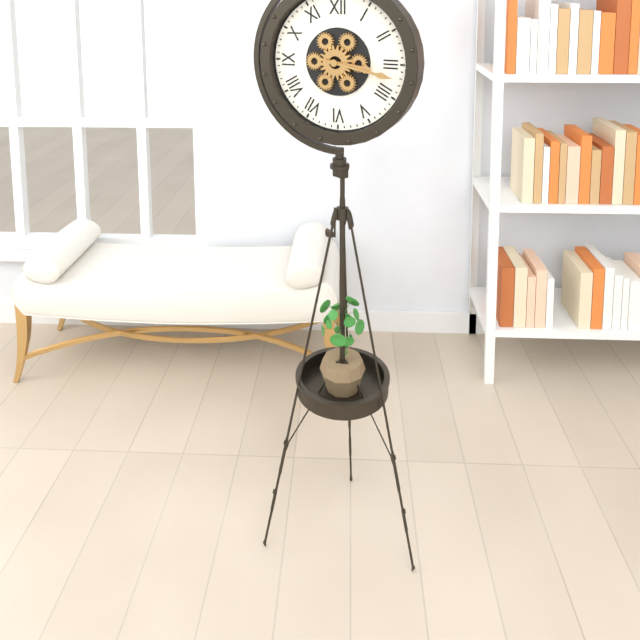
{"hour": 3, "minute": 17}
